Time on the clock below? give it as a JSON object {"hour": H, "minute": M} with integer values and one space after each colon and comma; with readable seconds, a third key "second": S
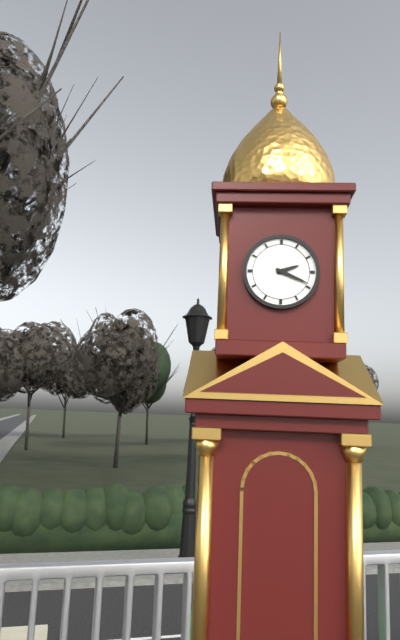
{"hour": 2, "minute": 19}
